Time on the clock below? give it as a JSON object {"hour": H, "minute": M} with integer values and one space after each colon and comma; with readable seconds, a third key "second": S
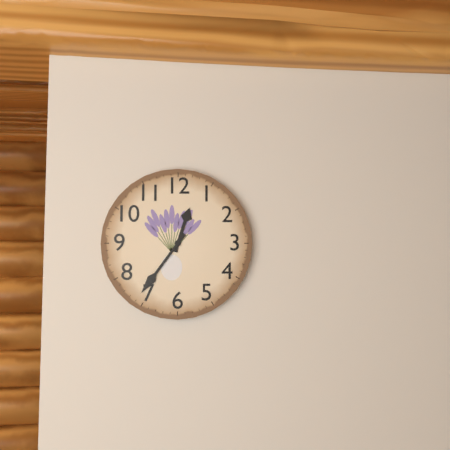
{"hour": 12, "minute": 36}
